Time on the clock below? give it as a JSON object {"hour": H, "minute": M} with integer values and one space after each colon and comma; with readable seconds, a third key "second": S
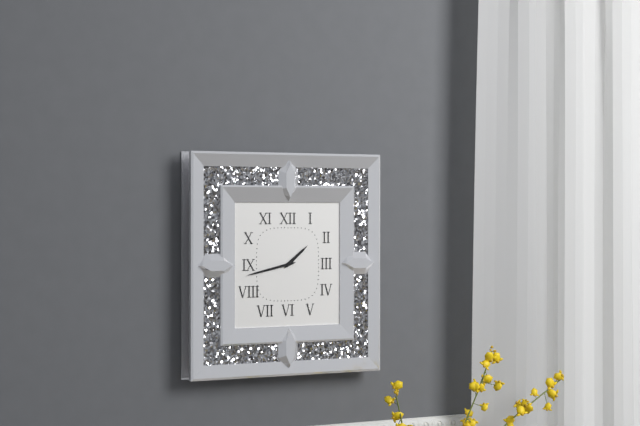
{"hour": 1, "minute": 43}
